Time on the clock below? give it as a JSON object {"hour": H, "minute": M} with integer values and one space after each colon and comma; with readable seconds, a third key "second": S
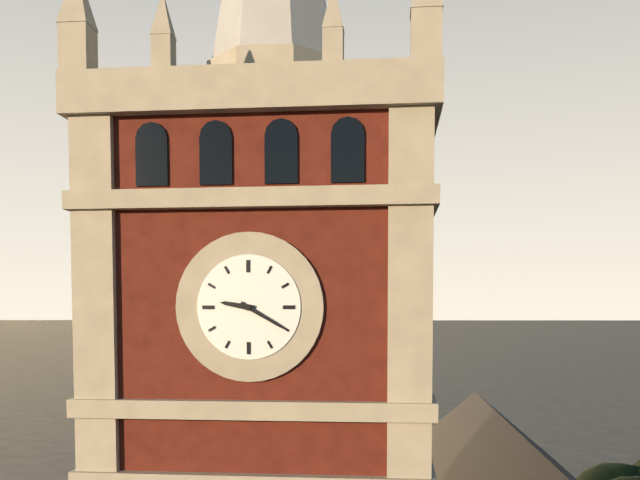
{"hour": 9, "minute": 20}
